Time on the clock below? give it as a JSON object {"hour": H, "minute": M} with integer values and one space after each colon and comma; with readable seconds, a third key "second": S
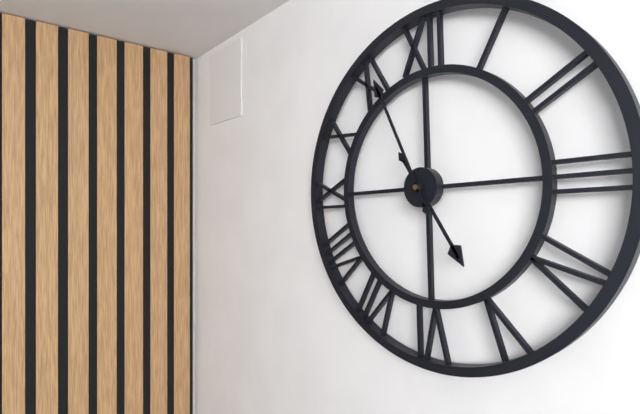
{"hour": 4, "minute": 56}
